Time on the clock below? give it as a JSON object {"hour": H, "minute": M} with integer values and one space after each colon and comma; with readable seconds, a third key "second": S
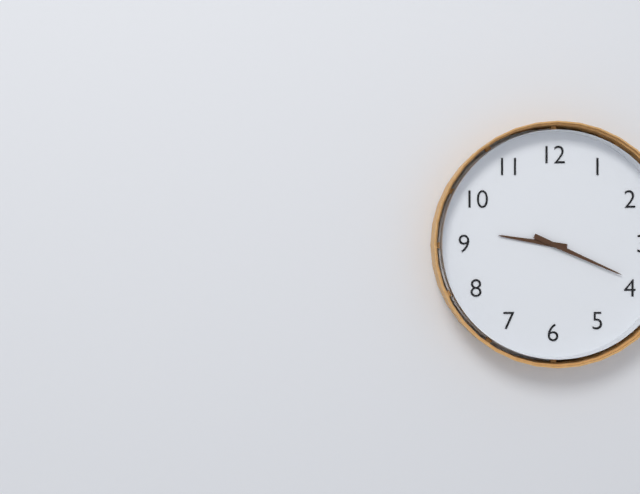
{"hour": 9, "minute": 19}
